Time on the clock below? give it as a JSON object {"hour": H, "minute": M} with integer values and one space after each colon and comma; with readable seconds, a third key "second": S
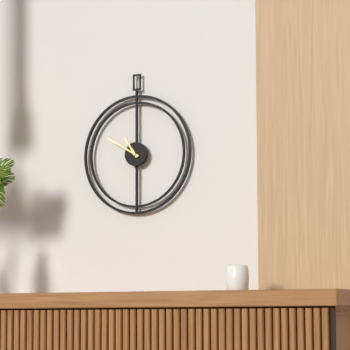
{"hour": 10, "minute": 50}
